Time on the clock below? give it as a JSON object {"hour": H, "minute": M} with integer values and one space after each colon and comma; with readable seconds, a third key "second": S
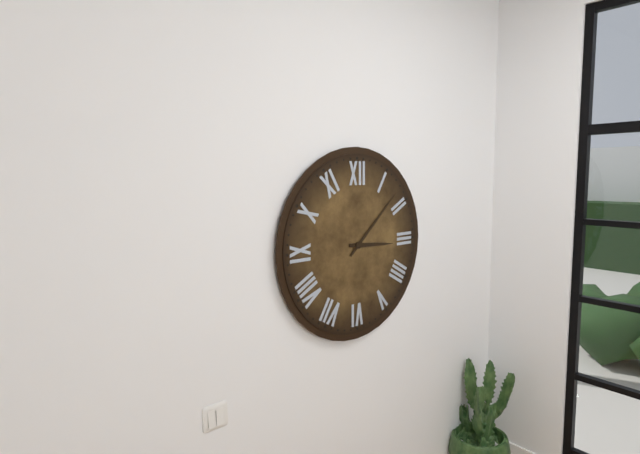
{"hour": 3, "minute": 8}
